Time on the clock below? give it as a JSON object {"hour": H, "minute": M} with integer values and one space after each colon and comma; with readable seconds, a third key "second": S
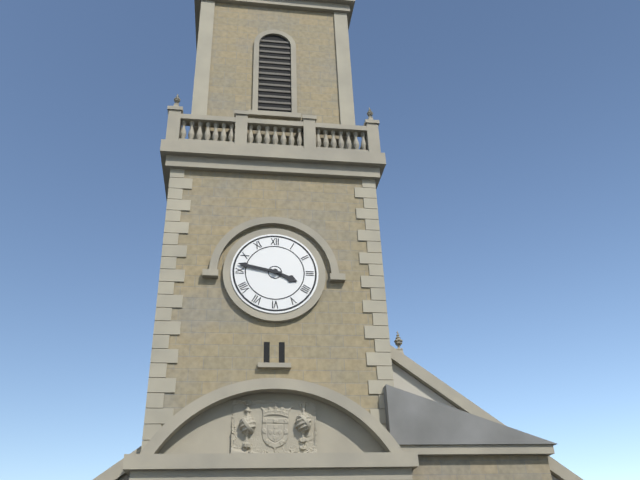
{"hour": 3, "minute": 47}
